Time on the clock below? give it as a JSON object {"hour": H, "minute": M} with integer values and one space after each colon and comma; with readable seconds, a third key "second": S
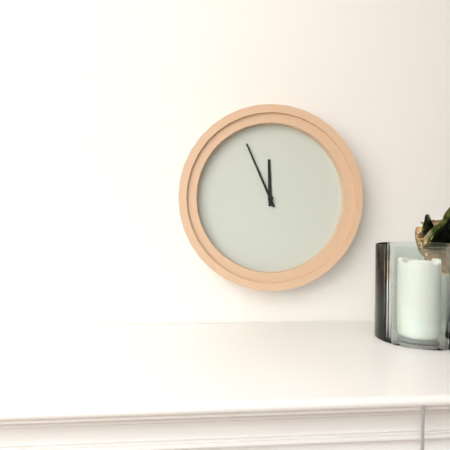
{"hour": 11, "minute": 56}
